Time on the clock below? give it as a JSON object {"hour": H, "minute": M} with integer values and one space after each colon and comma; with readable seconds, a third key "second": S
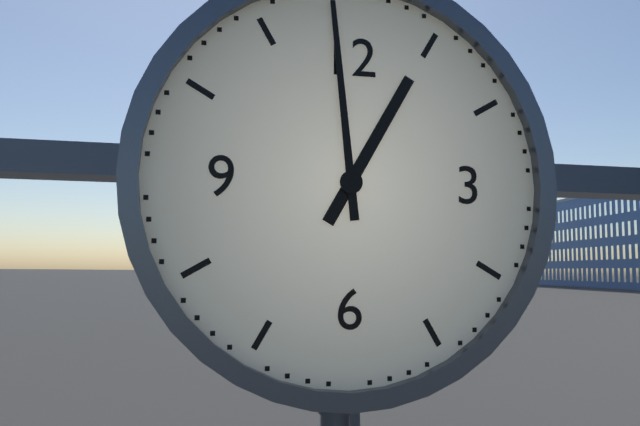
{"hour": 12, "minute": 59}
